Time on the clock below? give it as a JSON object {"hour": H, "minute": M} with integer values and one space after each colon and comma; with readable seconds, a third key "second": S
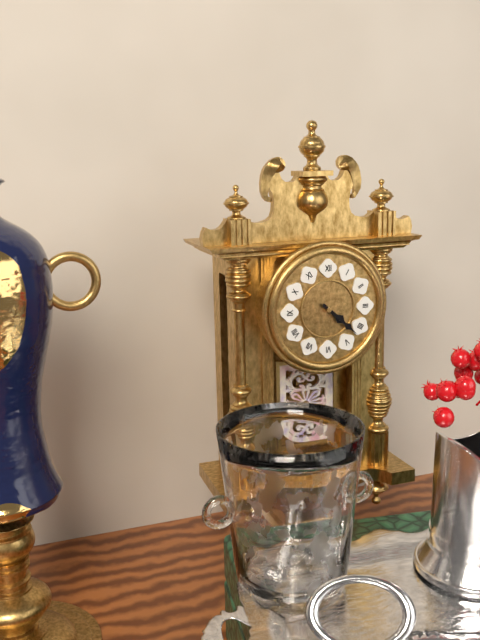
{"hour": 4, "minute": 22}
